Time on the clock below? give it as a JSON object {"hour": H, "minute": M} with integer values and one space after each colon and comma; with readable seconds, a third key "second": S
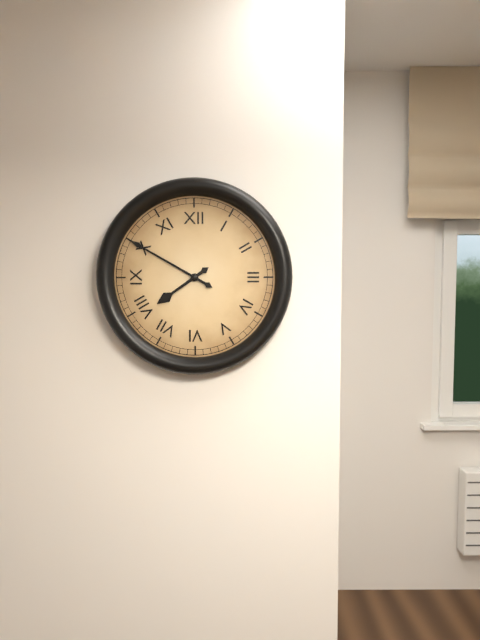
{"hour": 7, "minute": 50}
